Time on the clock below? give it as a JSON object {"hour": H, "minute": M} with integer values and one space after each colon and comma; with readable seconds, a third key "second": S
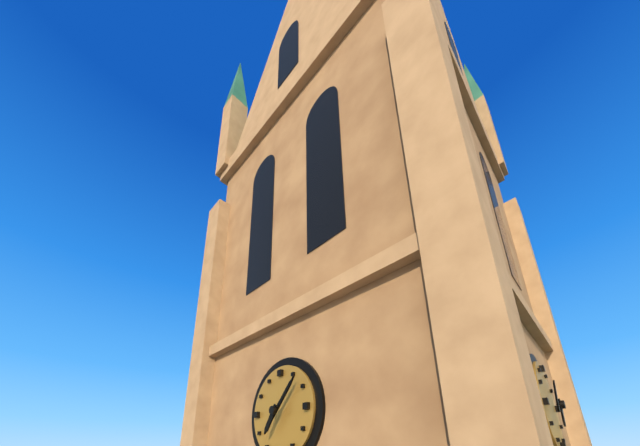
{"hour": 7, "minute": 7}
